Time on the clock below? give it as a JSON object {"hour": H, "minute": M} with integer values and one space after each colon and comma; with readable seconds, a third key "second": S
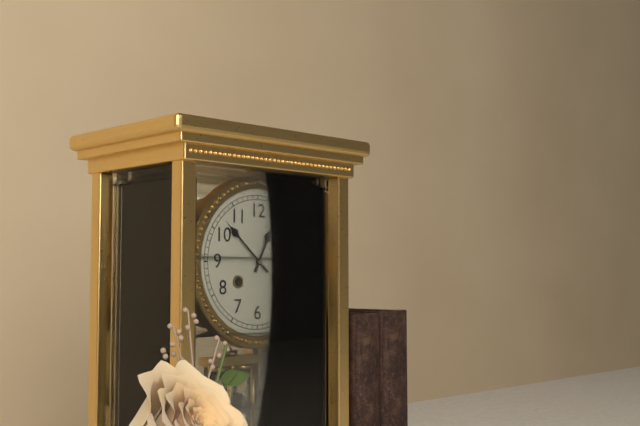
{"hour": 12, "minute": 52}
